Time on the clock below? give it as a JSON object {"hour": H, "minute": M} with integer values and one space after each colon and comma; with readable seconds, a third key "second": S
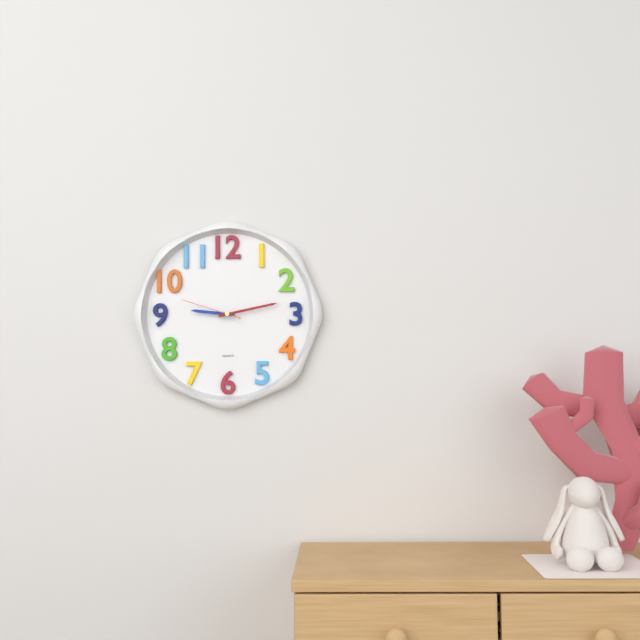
{"hour": 9, "minute": 13, "second": 48}
